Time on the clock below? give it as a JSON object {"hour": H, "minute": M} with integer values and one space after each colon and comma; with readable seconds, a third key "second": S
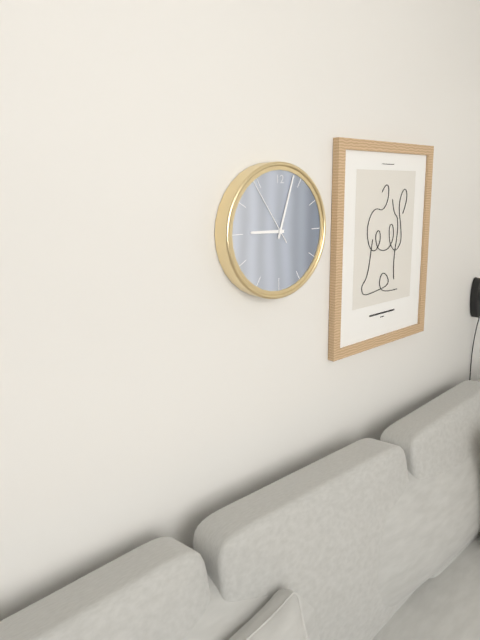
{"hour": 9, "minute": 3, "second": 54}
